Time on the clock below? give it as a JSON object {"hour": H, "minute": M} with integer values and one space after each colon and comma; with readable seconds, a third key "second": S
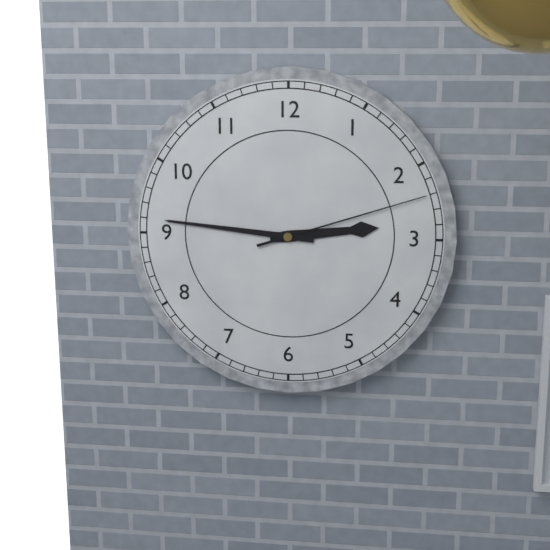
{"hour": 2, "minute": 46, "second": 12}
